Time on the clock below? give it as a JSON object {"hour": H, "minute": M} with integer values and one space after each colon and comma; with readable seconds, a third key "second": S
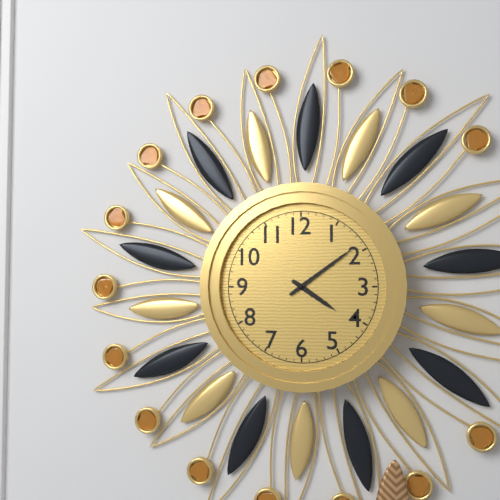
{"hour": 4, "minute": 9}
